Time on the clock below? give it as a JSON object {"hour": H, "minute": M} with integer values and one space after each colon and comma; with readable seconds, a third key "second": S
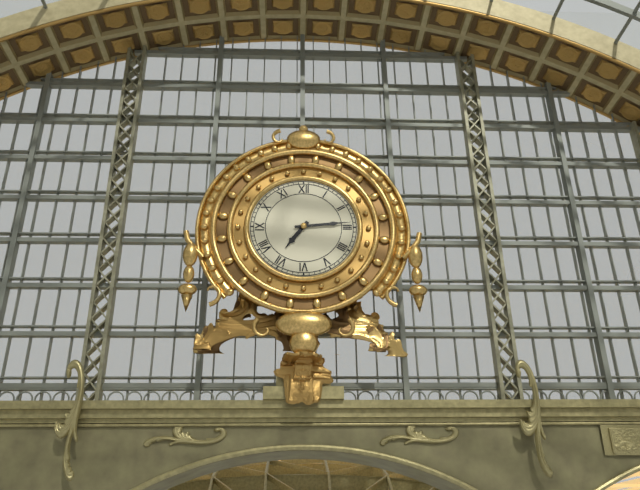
{"hour": 7, "minute": 14}
